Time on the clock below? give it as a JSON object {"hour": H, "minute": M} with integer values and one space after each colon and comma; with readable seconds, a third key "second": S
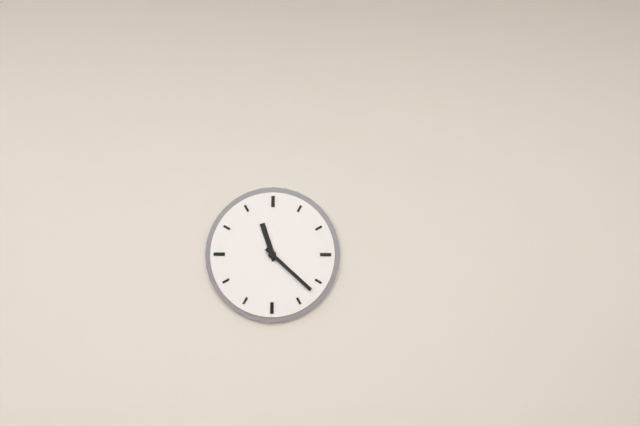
{"hour": 11, "minute": 22}
